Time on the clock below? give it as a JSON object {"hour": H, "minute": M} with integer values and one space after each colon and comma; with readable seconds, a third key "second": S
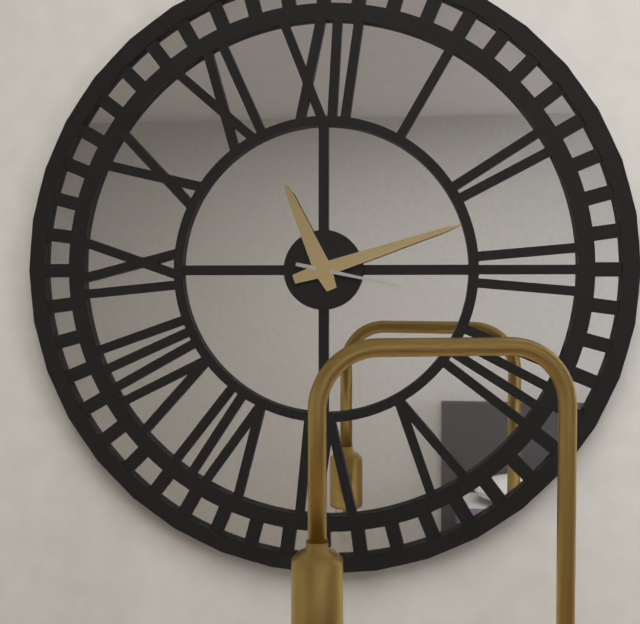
{"hour": 11, "minute": 12, "second": 17}
